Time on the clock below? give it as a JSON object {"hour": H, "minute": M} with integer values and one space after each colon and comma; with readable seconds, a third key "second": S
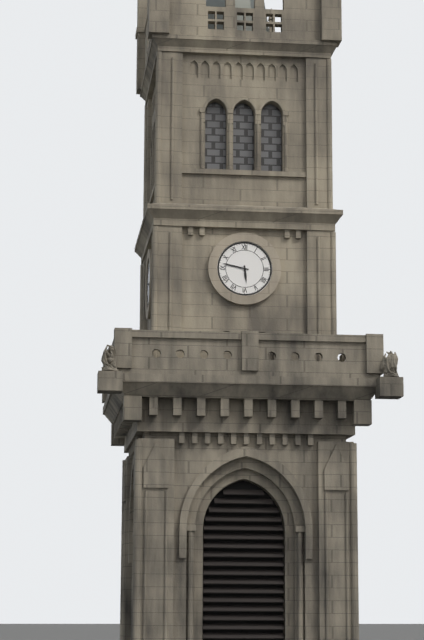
{"hour": 5, "minute": 47}
